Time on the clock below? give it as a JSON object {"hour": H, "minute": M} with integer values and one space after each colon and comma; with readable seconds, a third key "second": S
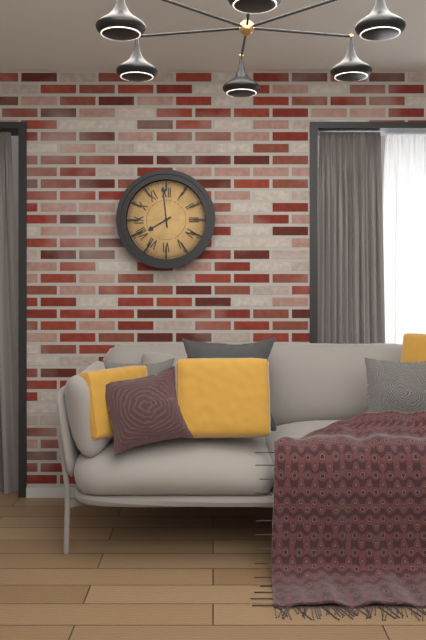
{"hour": 7, "minute": 59}
